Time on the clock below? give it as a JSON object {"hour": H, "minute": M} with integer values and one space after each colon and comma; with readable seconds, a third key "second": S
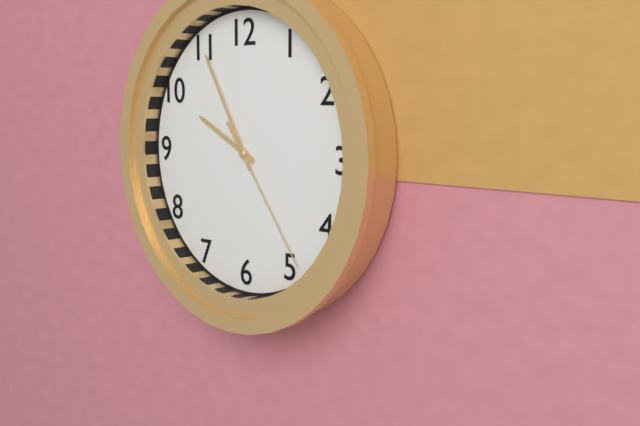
{"hour": 9, "minute": 55, "second": 24}
